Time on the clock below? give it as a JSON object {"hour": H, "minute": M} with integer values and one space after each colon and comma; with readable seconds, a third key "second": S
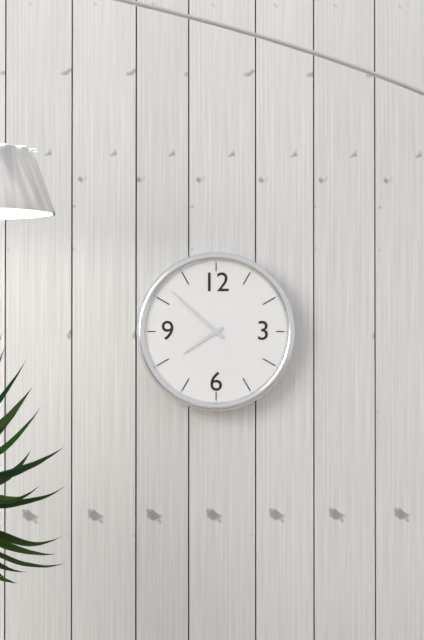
{"hour": 7, "minute": 52}
